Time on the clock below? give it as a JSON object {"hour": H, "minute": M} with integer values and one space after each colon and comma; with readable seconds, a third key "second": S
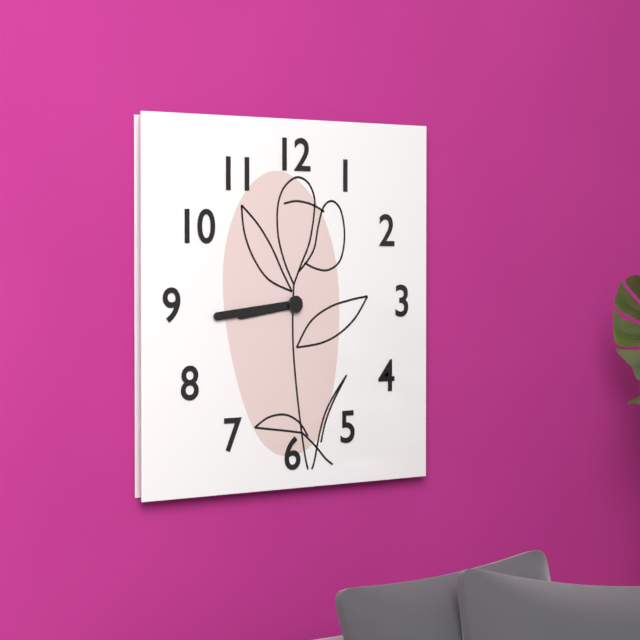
{"hour": 8, "minute": 44}
